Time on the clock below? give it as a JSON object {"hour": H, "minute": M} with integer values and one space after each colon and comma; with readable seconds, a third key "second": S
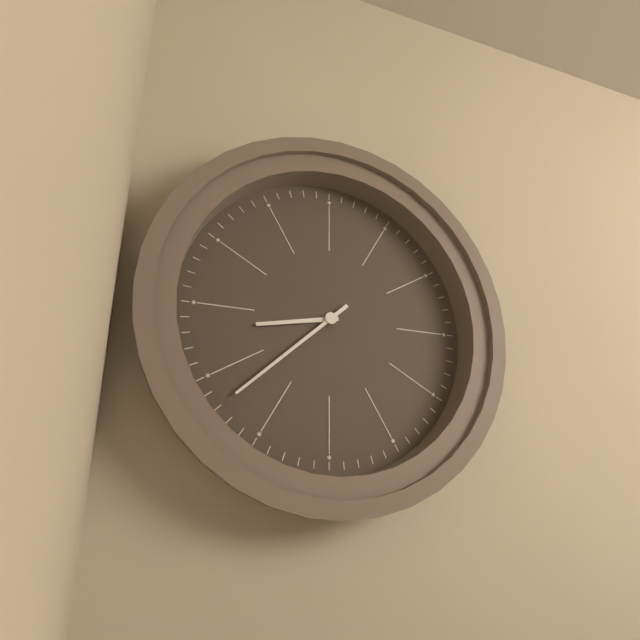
{"hour": 8, "minute": 38}
